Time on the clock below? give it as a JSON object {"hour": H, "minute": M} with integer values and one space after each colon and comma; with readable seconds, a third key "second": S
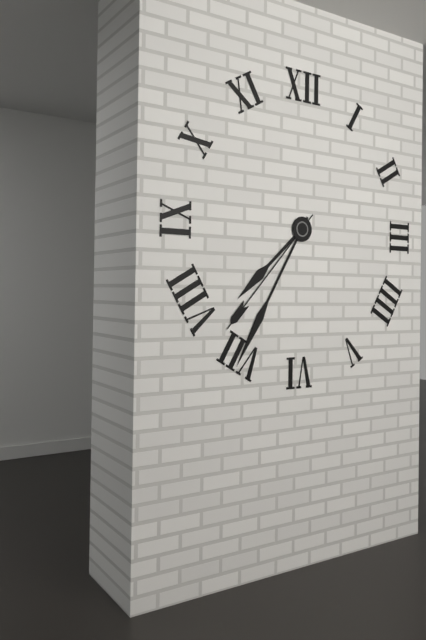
{"hour": 7, "minute": 35, "second": 37}
